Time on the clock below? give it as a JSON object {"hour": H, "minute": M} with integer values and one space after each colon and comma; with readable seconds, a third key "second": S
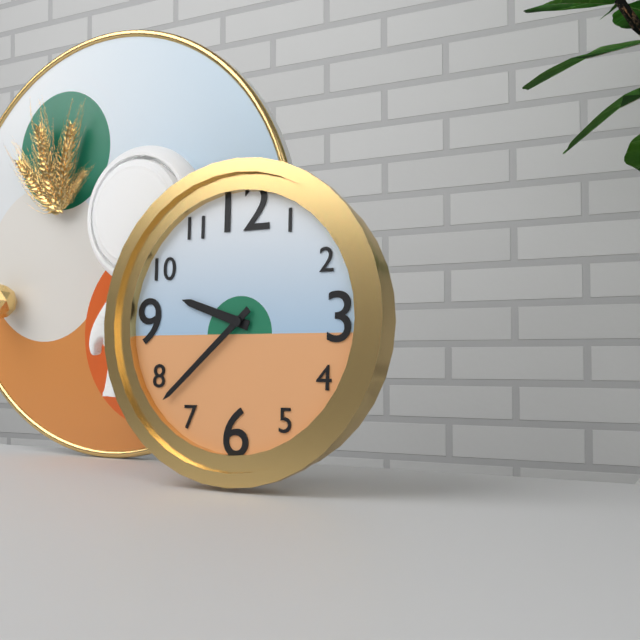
{"hour": 9, "minute": 38}
